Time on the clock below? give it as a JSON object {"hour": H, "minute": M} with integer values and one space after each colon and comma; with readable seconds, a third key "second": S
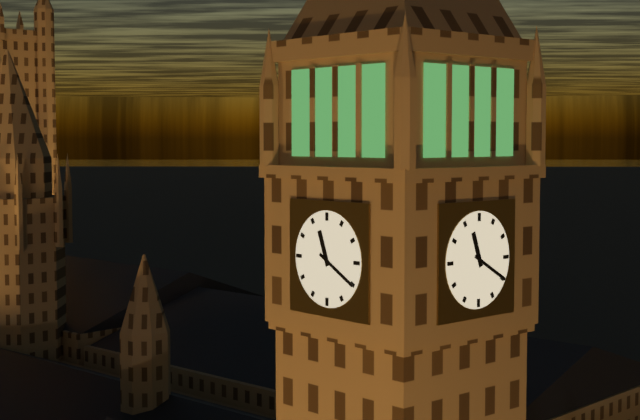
{"hour": 11, "minute": 20}
